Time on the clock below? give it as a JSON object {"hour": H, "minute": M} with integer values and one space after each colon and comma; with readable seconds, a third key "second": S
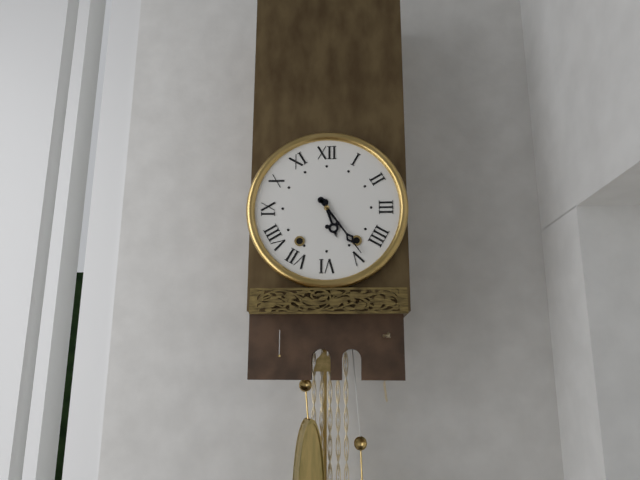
{"hour": 5, "minute": 24}
